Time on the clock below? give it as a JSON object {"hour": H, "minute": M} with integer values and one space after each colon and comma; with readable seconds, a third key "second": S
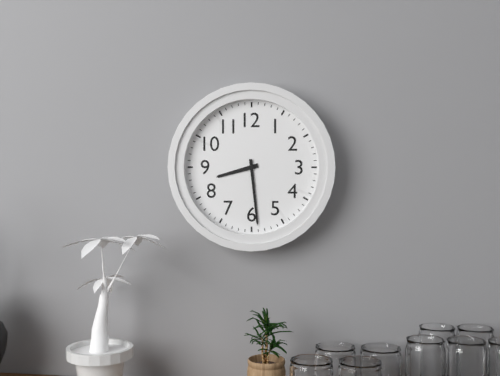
{"hour": 8, "minute": 29}
